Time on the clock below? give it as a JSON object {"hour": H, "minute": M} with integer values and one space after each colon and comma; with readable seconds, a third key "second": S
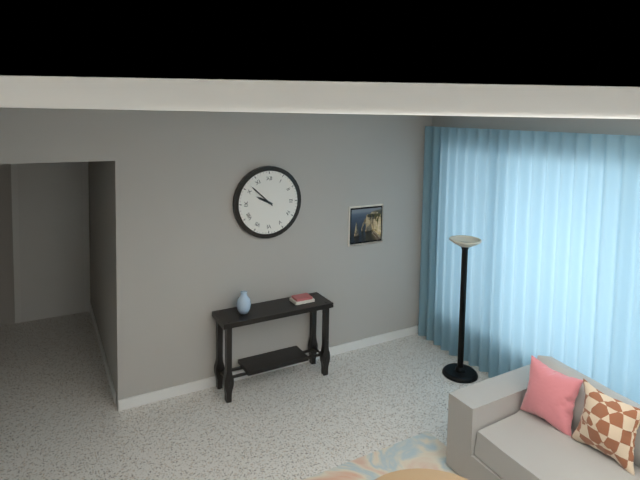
{"hour": 9, "minute": 52}
